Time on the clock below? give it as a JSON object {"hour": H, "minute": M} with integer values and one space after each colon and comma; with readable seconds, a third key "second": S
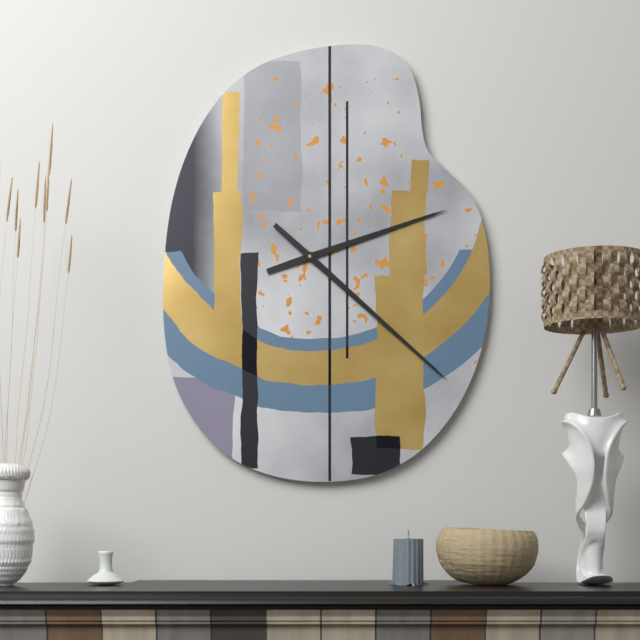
{"hour": 2, "minute": 22}
